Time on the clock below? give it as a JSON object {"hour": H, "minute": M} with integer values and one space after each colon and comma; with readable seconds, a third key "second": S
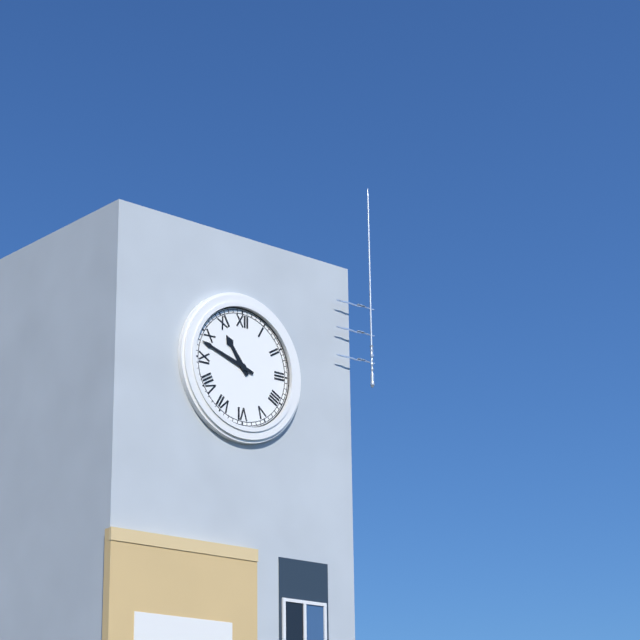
{"hour": 10, "minute": 48}
